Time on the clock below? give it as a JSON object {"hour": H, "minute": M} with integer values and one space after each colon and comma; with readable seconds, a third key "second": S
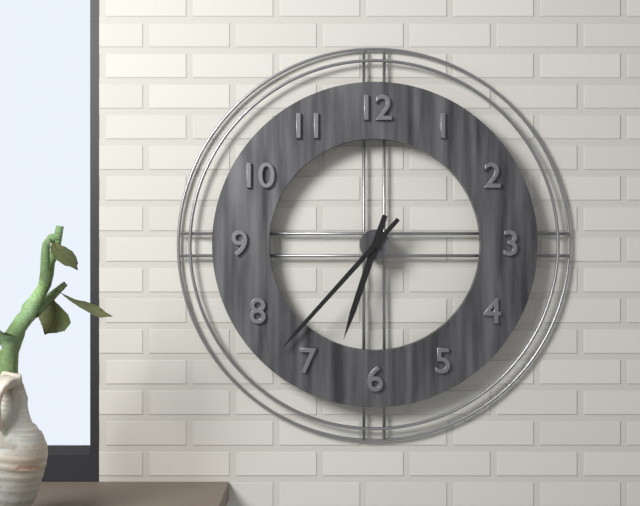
{"hour": 6, "minute": 37}
